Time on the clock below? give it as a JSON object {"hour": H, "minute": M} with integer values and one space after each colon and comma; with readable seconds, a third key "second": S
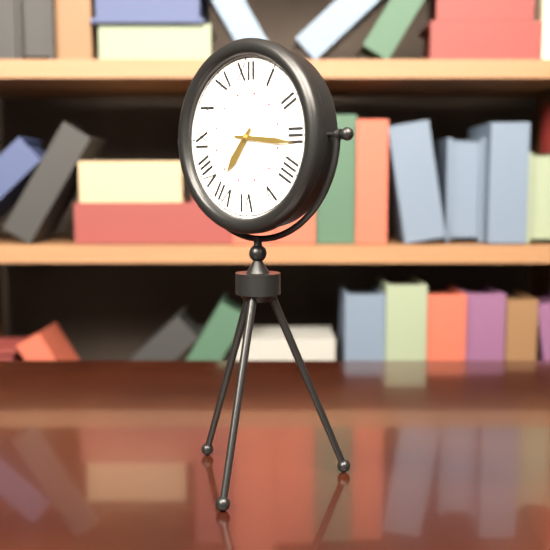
{"hour": 7, "minute": 16}
